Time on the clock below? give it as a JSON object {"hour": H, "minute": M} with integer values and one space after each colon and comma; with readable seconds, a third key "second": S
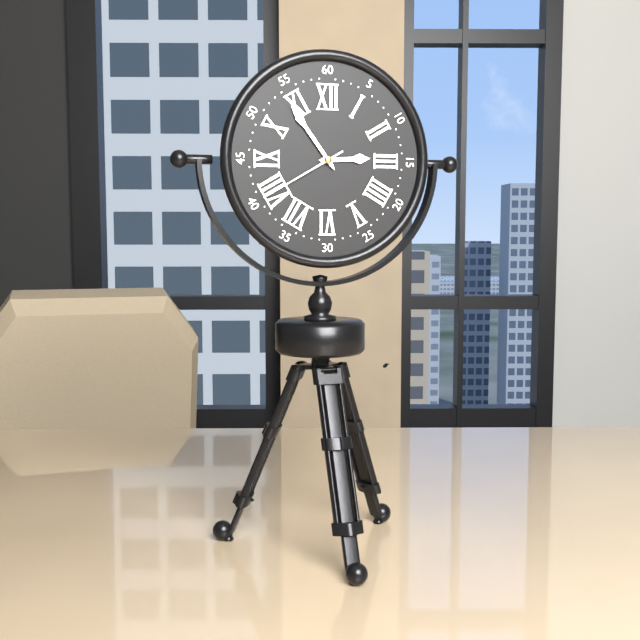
{"hour": 2, "minute": 54, "second": 40}
